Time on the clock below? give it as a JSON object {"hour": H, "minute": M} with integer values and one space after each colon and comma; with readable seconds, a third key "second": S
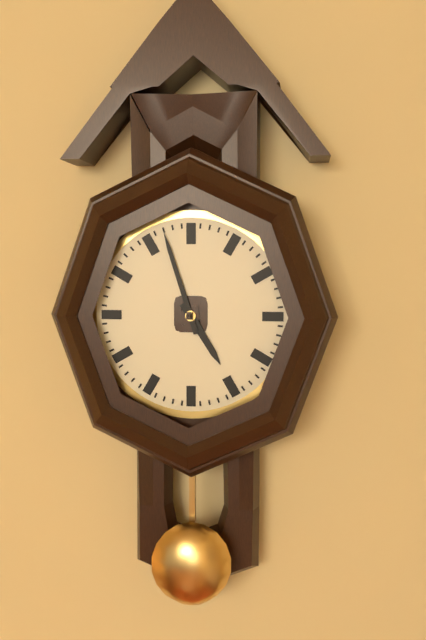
{"hour": 4, "minute": 57}
